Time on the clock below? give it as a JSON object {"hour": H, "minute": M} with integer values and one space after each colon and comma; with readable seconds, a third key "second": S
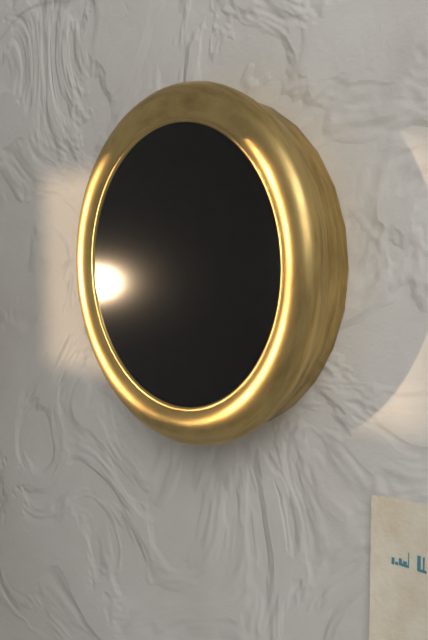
{"hour": 1, "minute": 36, "second": 52}
